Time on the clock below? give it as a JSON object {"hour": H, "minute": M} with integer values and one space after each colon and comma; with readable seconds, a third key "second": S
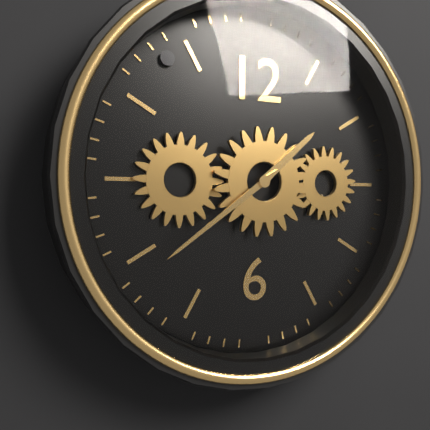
{"hour": 1, "minute": 39}
